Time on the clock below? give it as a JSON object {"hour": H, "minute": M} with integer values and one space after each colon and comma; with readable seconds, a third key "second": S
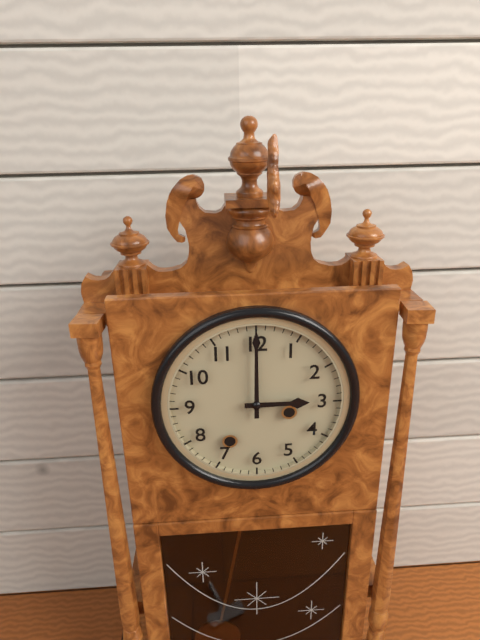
{"hour": 3, "minute": 0}
